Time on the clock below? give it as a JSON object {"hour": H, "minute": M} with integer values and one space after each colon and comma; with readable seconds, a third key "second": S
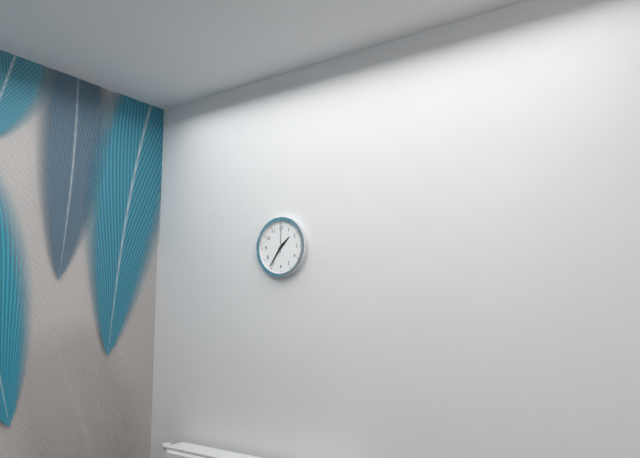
{"hour": 1, "minute": 36}
